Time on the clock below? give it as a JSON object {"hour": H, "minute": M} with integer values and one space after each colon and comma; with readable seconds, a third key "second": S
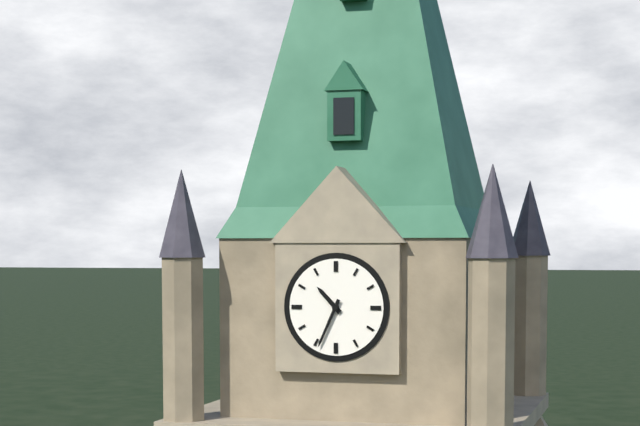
{"hour": 10, "minute": 34}
